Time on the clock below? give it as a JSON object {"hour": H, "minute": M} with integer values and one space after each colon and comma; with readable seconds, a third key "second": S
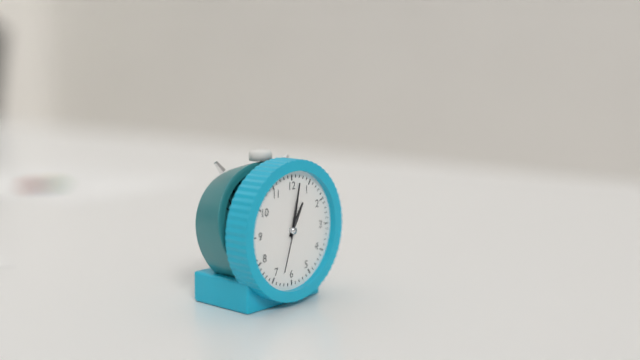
{"hour": 1, "minute": 2, "second": 33}
